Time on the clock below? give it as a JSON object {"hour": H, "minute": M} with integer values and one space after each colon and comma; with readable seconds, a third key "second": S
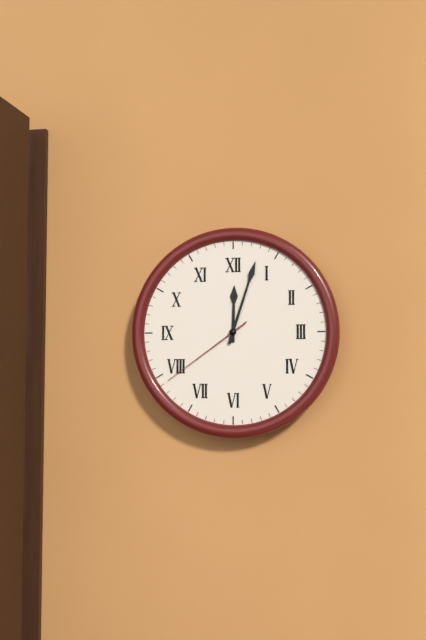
{"hour": 12, "minute": 3, "second": 39}
